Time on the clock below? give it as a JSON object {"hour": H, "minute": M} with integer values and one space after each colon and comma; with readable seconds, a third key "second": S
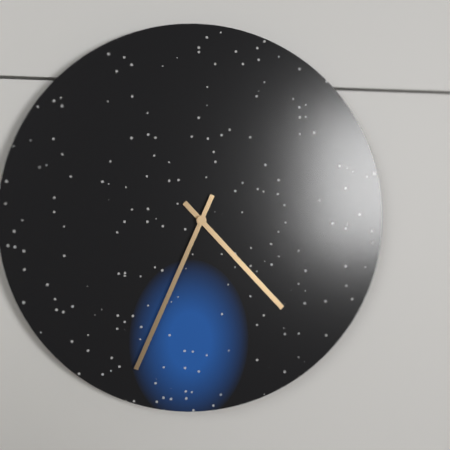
{"hour": 4, "minute": 34}
